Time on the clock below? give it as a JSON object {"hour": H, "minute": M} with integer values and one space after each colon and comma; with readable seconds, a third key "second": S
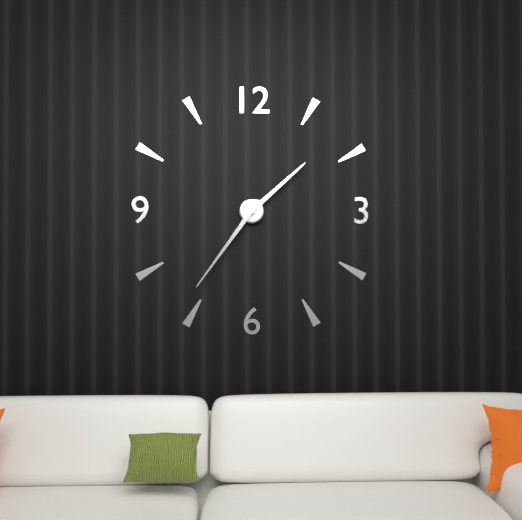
{"hour": 1, "minute": 36}
